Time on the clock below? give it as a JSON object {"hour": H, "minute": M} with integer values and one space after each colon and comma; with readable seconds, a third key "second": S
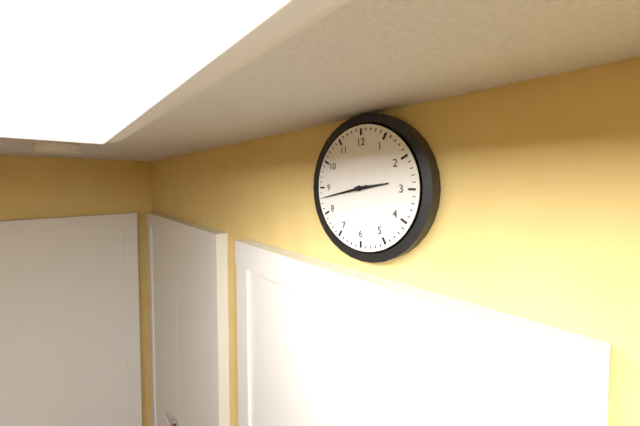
{"hour": 2, "minute": 43}
